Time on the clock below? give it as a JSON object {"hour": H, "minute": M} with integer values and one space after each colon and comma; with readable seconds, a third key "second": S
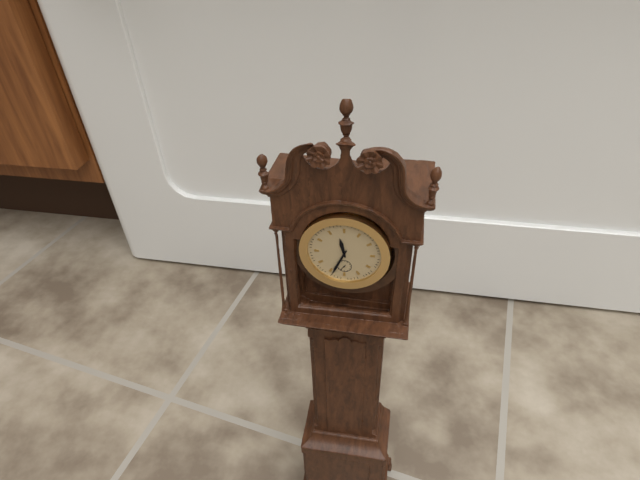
{"hour": 11, "minute": 34}
